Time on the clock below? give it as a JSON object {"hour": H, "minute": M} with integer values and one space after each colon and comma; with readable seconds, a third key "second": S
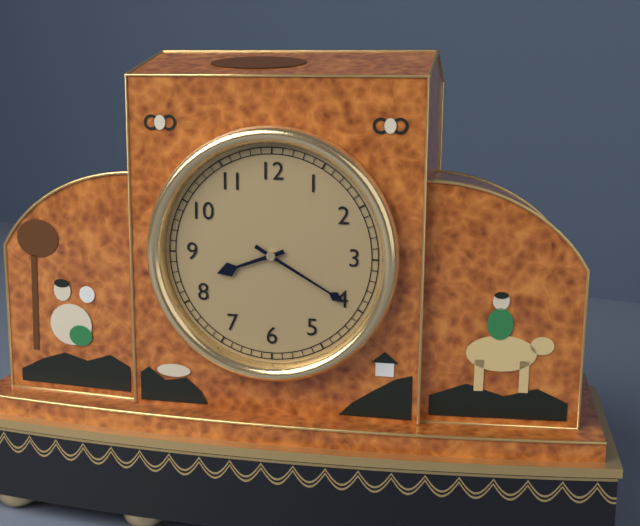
{"hour": 8, "minute": 20}
